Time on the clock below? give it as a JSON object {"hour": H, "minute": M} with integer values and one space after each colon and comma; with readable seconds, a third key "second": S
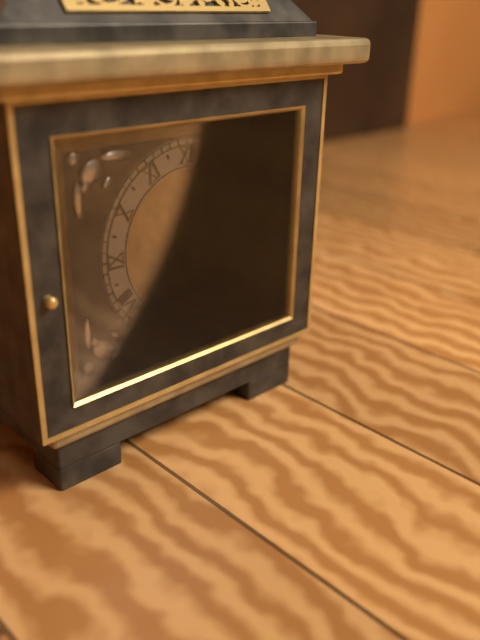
{"hour": 5, "minute": 36}
